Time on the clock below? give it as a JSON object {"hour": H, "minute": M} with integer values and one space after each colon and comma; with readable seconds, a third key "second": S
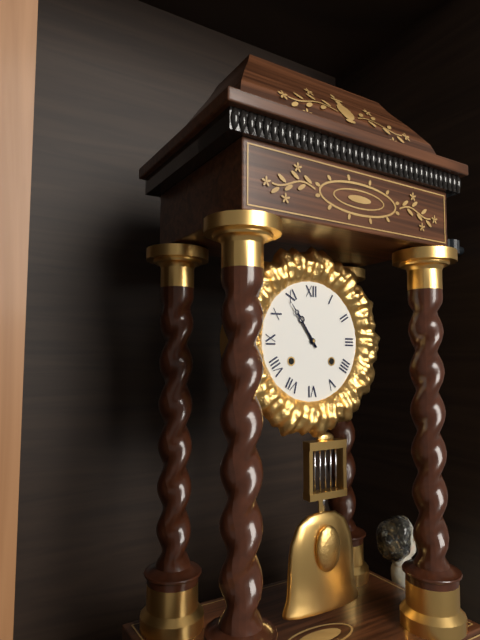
{"hour": 10, "minute": 54}
